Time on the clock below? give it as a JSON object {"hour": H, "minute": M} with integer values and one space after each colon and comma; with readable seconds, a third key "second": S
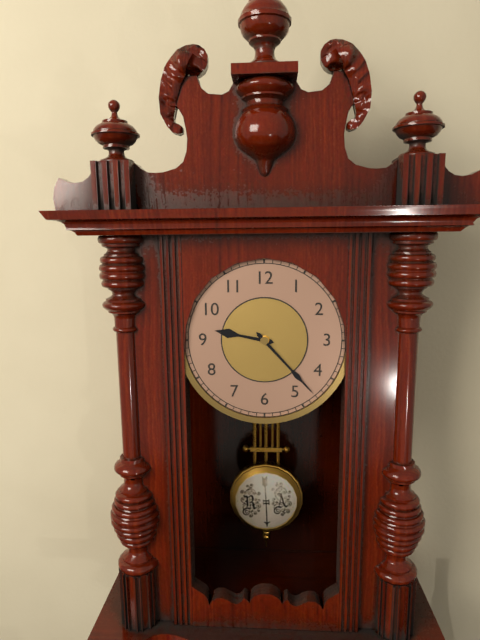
{"hour": 9, "minute": 23}
